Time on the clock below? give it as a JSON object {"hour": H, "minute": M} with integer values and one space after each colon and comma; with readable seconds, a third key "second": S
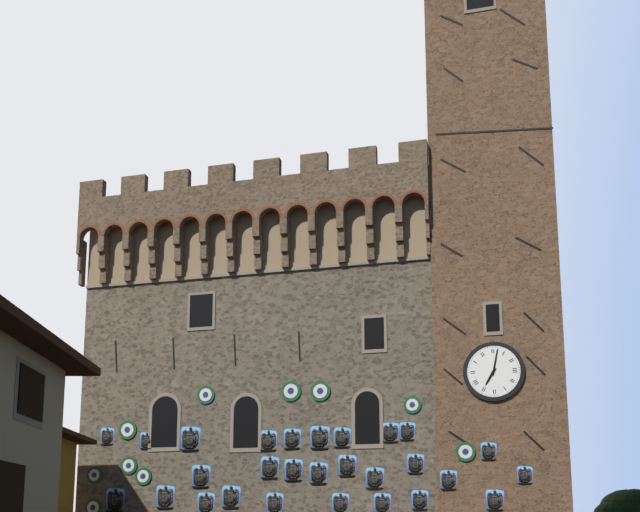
{"hour": 7, "minute": 2}
